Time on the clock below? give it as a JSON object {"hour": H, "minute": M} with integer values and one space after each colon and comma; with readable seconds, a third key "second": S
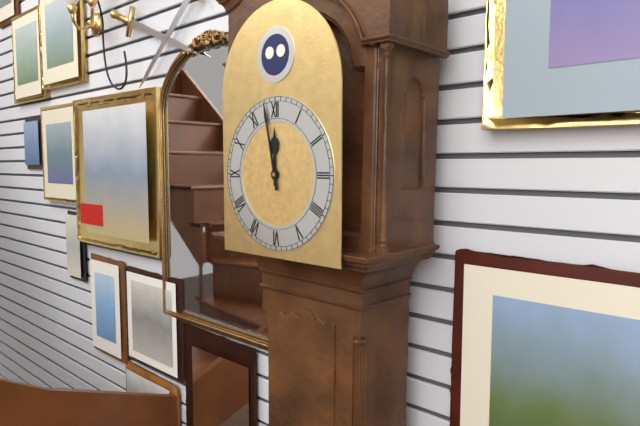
{"hour": 11, "minute": 58}
